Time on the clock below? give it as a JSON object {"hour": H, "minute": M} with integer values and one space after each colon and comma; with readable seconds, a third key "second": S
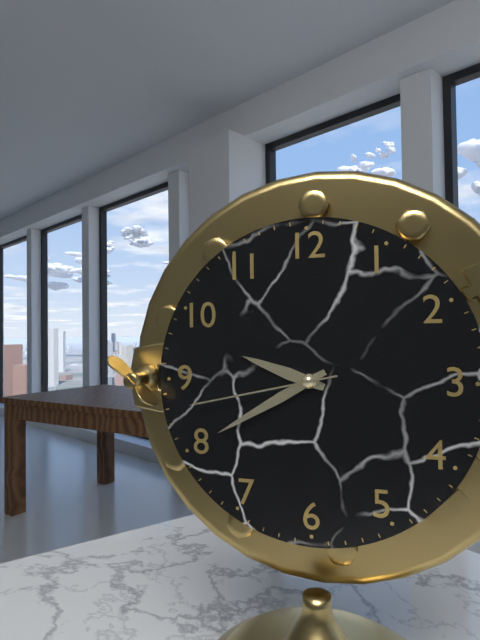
{"hour": 9, "minute": 40, "second": 43}
